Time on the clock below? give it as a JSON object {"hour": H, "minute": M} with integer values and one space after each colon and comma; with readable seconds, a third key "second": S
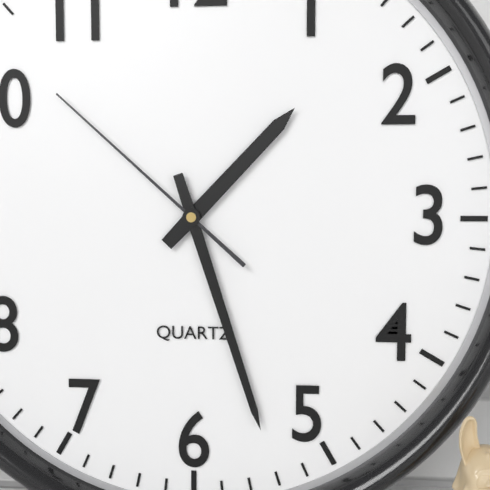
{"hour": 1, "minute": 27, "second": 52}
